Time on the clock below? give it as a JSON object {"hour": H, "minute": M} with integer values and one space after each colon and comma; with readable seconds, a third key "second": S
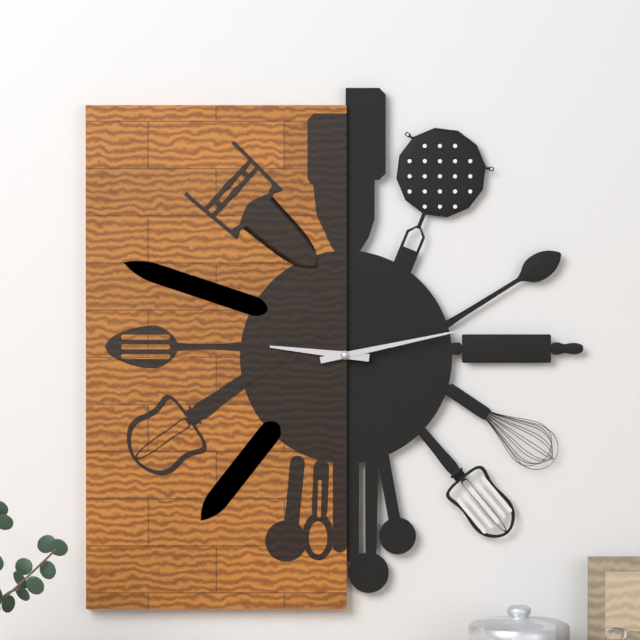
{"hour": 9, "minute": 13}
